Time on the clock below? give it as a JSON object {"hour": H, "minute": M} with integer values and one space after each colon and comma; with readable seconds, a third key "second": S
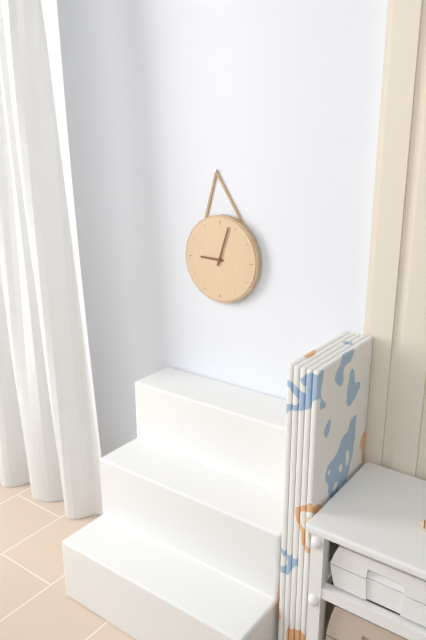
{"hour": 9, "minute": 3}
